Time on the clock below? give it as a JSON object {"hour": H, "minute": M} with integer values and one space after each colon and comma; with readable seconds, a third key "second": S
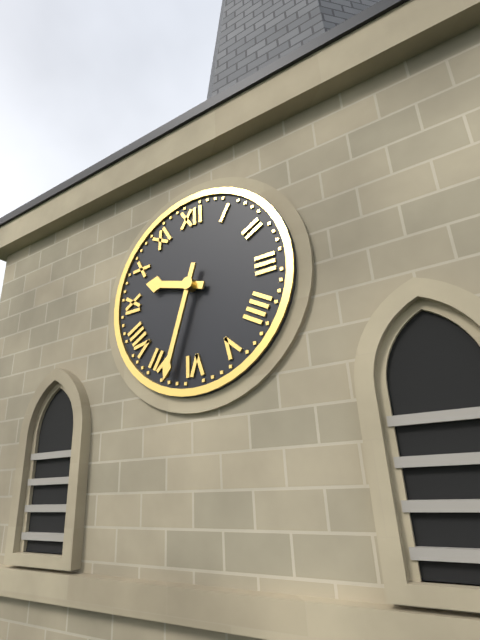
{"hour": 9, "minute": 33}
